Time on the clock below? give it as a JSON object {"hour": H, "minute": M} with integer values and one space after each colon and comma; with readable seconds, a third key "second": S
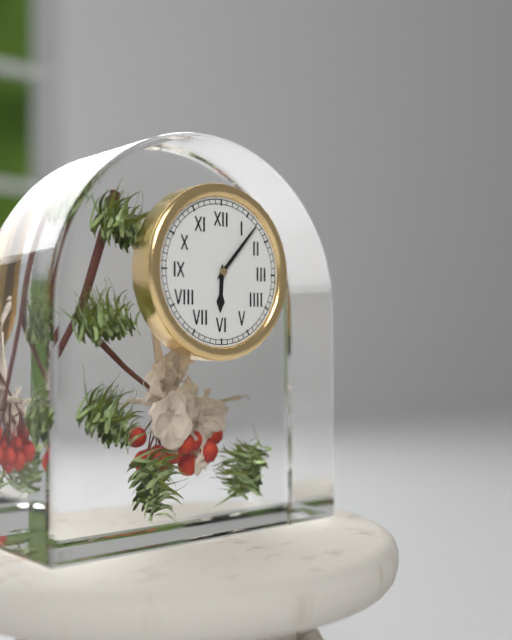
{"hour": 6, "minute": 7}
